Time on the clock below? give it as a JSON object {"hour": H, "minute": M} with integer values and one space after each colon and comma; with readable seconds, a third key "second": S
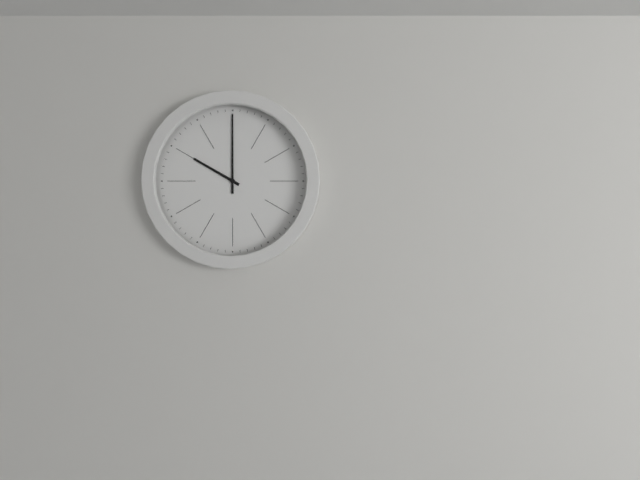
{"hour": 10, "minute": 0}
